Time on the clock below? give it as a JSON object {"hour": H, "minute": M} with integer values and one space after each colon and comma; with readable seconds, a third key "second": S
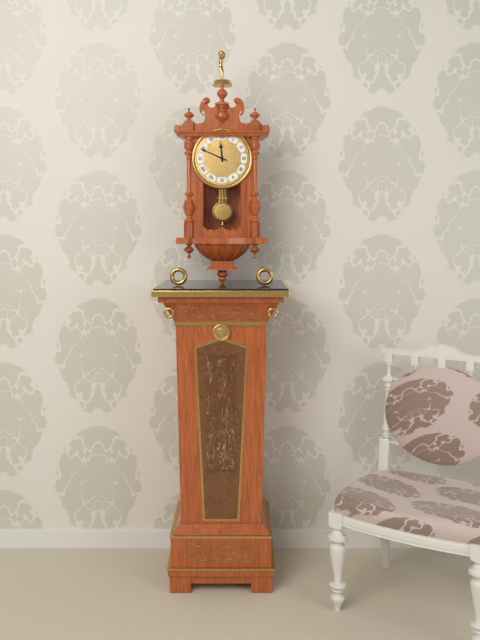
{"hour": 11, "minute": 49}
